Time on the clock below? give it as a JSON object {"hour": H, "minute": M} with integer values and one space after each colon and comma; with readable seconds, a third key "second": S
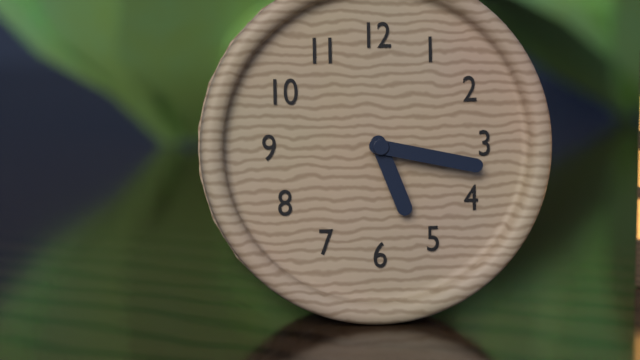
{"hour": 5, "minute": 17}
